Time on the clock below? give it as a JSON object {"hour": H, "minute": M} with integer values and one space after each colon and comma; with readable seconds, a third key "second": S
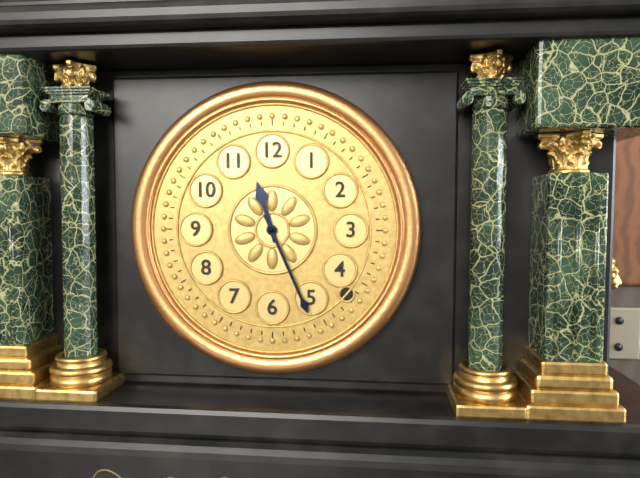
{"hour": 11, "minute": 26}
